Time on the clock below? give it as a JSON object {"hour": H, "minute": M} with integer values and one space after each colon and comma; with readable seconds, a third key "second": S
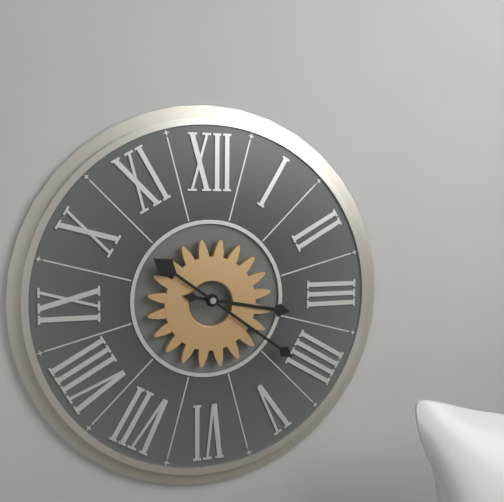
{"hour": 3, "minute": 21}
